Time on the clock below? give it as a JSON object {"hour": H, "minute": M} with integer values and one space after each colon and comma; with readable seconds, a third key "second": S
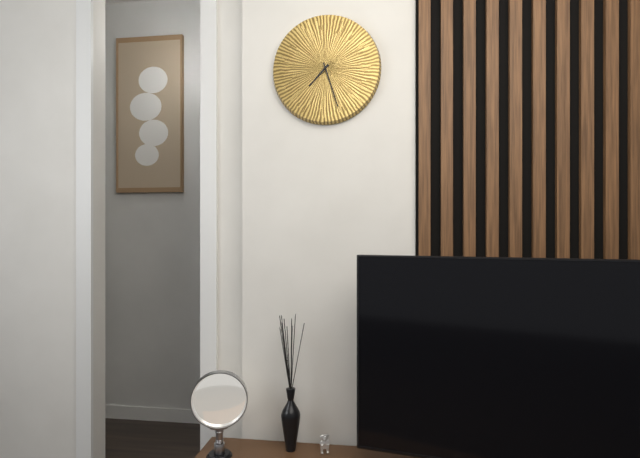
{"hour": 7, "minute": 27}
